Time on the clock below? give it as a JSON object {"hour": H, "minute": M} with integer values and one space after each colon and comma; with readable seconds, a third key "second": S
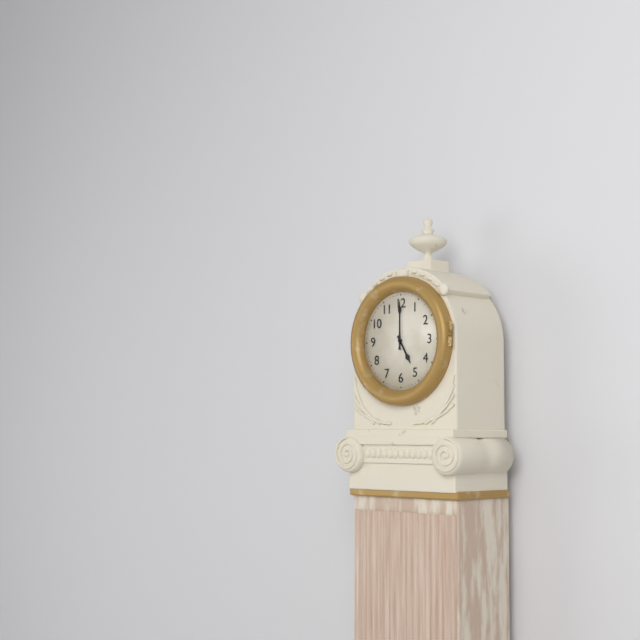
{"hour": 5, "minute": 0}
